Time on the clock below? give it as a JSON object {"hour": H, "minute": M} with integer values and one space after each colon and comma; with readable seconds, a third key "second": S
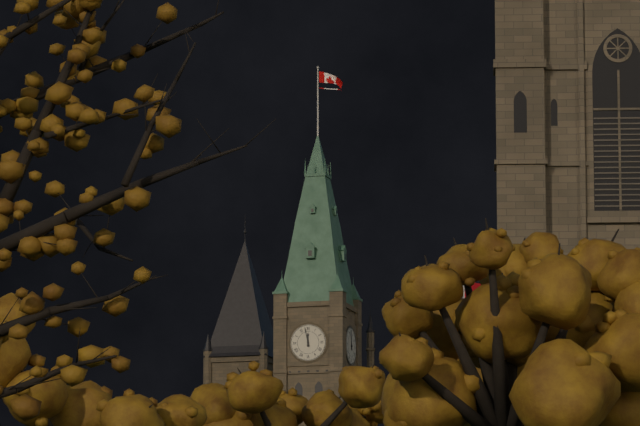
{"hour": 11, "minute": 58}
